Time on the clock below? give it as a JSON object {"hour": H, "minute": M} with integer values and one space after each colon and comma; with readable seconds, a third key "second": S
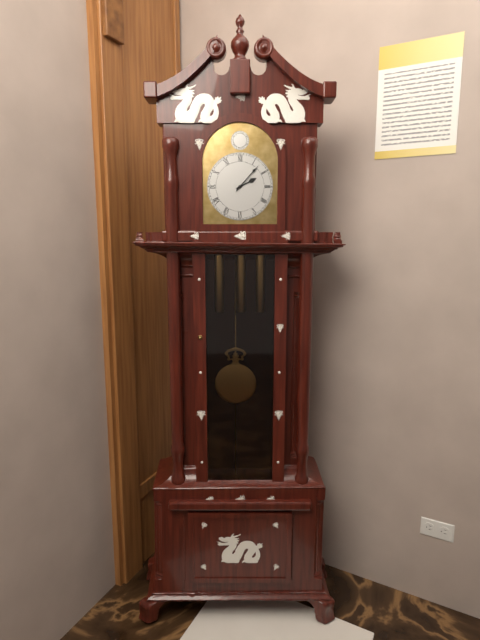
{"hour": 2, "minute": 7}
